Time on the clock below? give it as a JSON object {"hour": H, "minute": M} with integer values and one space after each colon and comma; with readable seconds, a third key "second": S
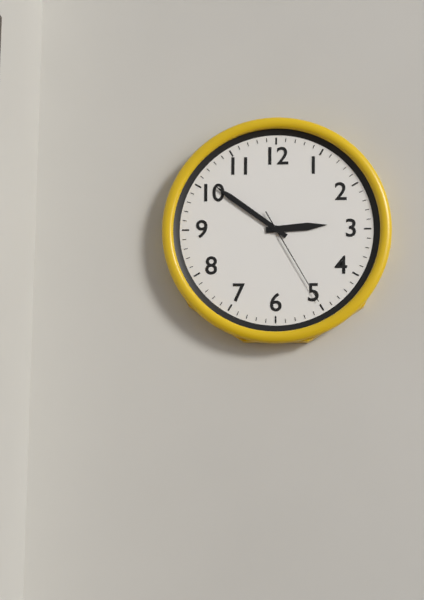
{"hour": 2, "minute": 51, "second": 25}
